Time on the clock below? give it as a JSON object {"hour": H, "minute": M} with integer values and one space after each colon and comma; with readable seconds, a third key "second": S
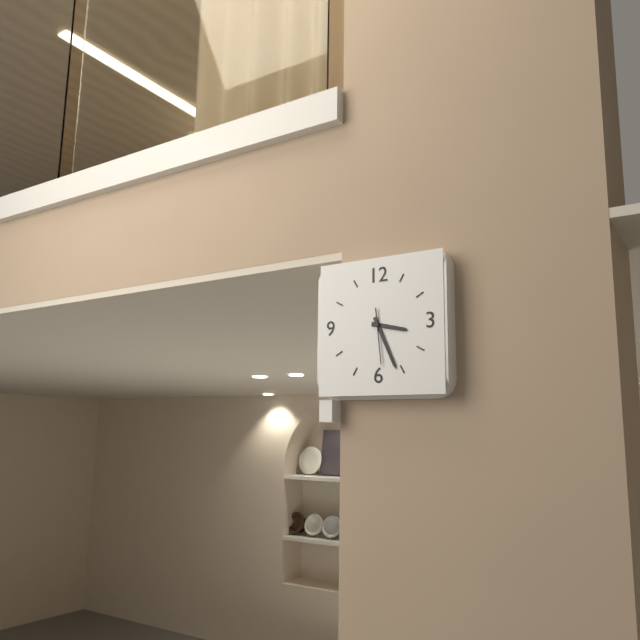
{"hour": 3, "minute": 26, "second": 29}
